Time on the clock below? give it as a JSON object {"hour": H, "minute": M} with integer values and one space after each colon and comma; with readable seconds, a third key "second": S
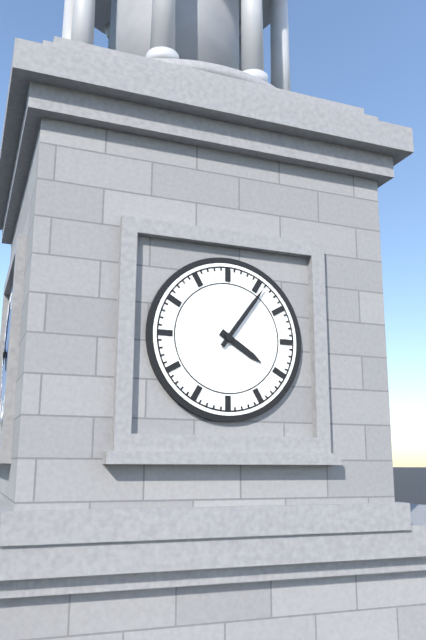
{"hour": 4, "minute": 6}
